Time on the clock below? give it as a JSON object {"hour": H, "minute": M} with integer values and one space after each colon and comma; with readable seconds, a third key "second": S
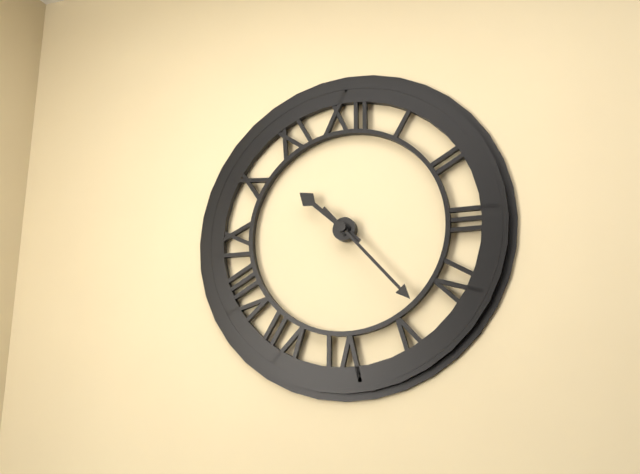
{"hour": 10, "minute": 23}
